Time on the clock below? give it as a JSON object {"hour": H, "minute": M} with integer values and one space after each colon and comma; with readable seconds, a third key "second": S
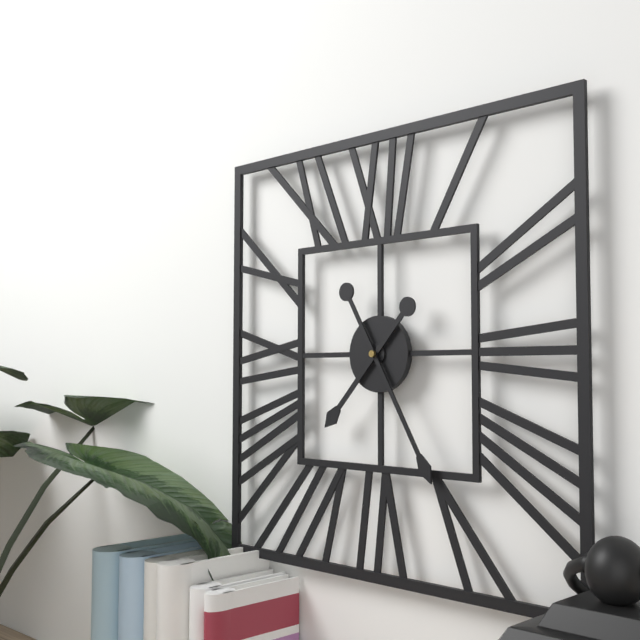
{"hour": 7, "minute": 25}
